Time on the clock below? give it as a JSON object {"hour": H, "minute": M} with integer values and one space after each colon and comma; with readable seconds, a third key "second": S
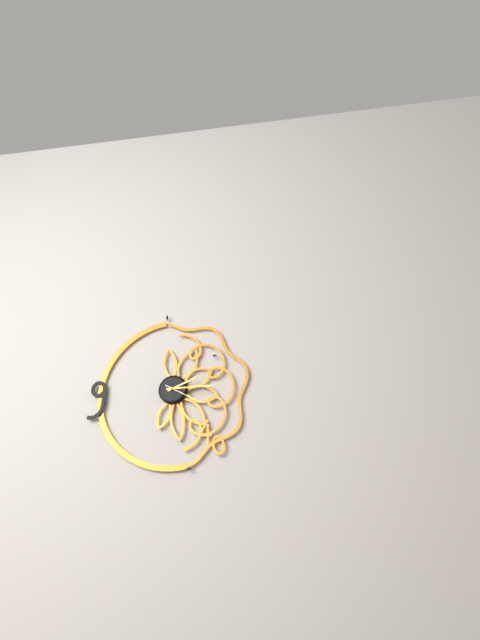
{"hour": 2, "minute": 15}
